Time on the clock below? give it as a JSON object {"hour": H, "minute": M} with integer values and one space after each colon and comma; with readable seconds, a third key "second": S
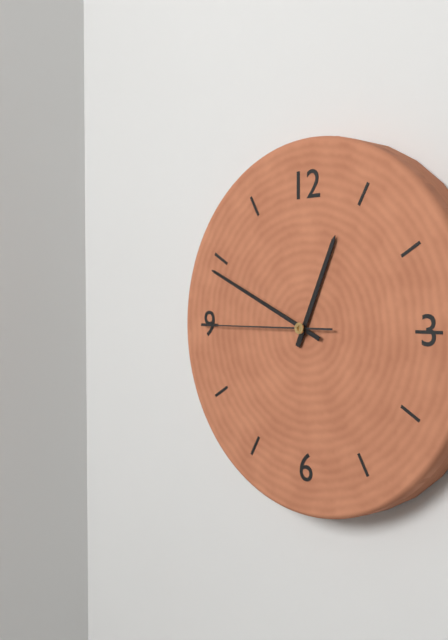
{"hour": 12, "minute": 49, "second": 45}
